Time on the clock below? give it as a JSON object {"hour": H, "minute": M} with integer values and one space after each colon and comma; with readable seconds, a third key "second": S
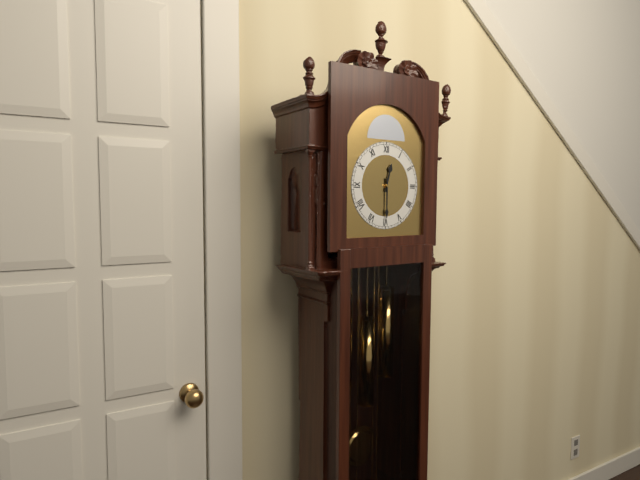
{"hour": 12, "minute": 30}
